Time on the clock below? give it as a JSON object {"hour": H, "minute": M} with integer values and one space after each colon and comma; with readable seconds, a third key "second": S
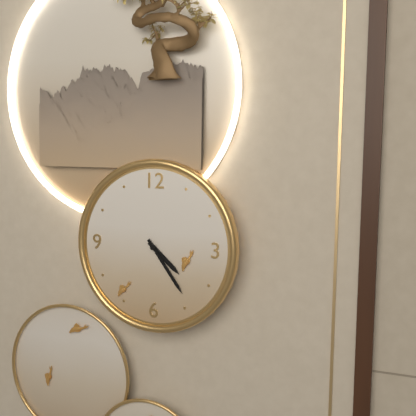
{"hour": 4, "minute": 24}
